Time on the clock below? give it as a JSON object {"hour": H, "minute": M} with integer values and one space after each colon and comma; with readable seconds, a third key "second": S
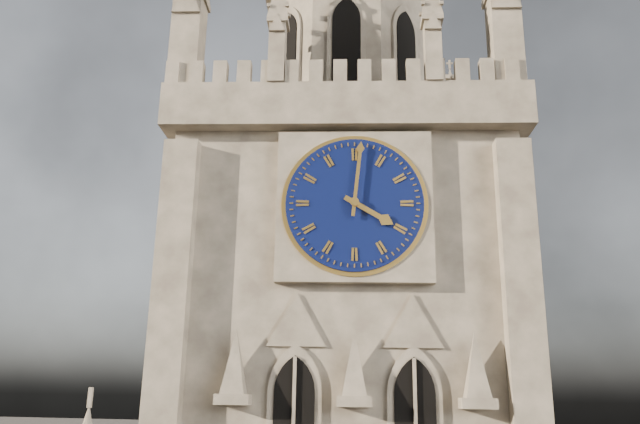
{"hour": 4, "minute": 1}
